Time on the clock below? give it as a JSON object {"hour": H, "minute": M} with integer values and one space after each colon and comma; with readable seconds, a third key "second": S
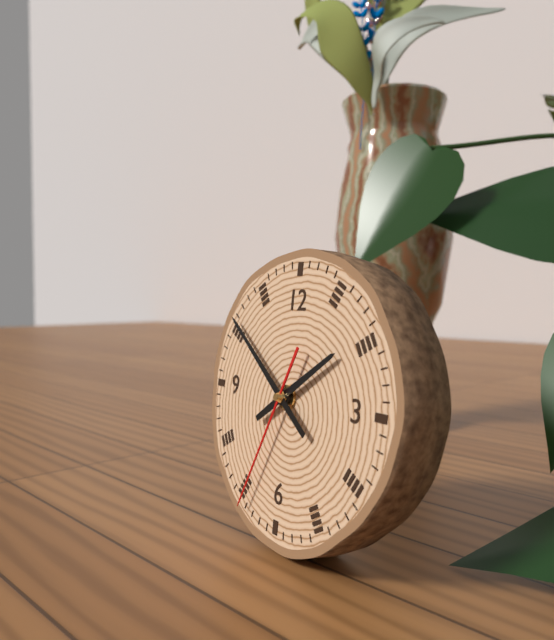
{"hour": 1, "minute": 51, "second": 34}
